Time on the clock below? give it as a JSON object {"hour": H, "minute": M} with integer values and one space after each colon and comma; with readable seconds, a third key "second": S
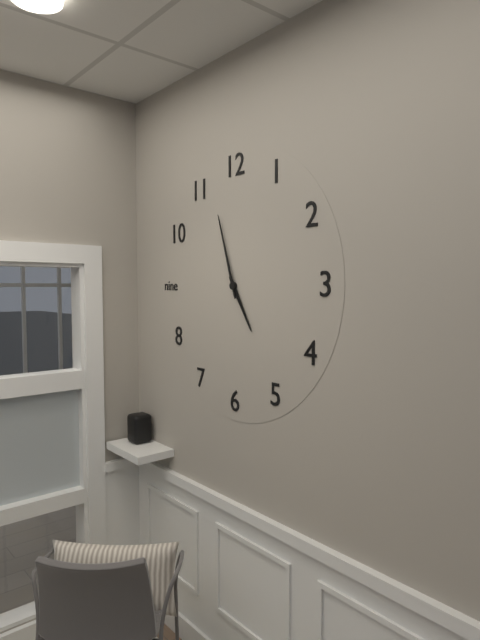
{"hour": 4, "minute": 57}
